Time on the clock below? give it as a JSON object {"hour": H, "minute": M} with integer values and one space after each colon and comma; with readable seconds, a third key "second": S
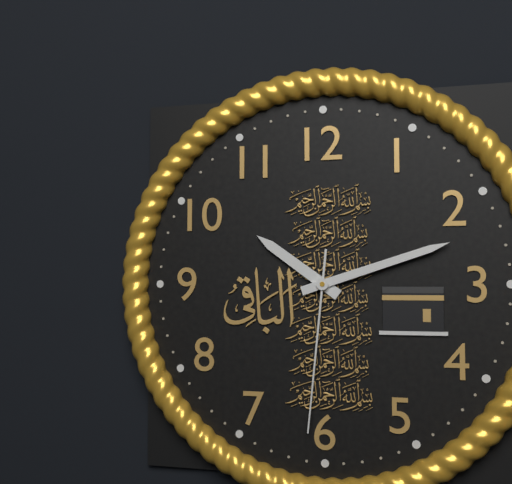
{"hour": 10, "minute": 12, "second": 31}
